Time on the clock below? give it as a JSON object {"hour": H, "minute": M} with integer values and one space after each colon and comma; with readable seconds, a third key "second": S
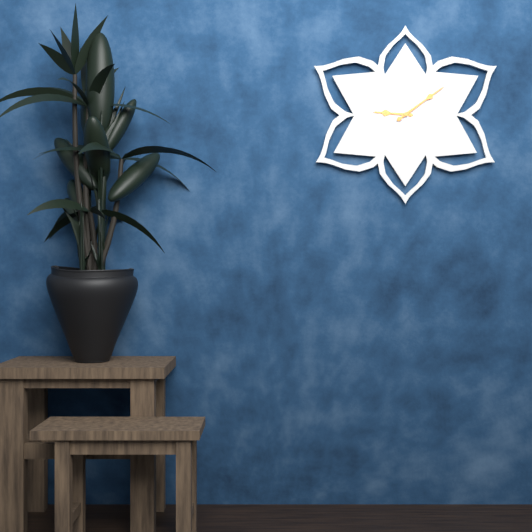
{"hour": 9, "minute": 9}
